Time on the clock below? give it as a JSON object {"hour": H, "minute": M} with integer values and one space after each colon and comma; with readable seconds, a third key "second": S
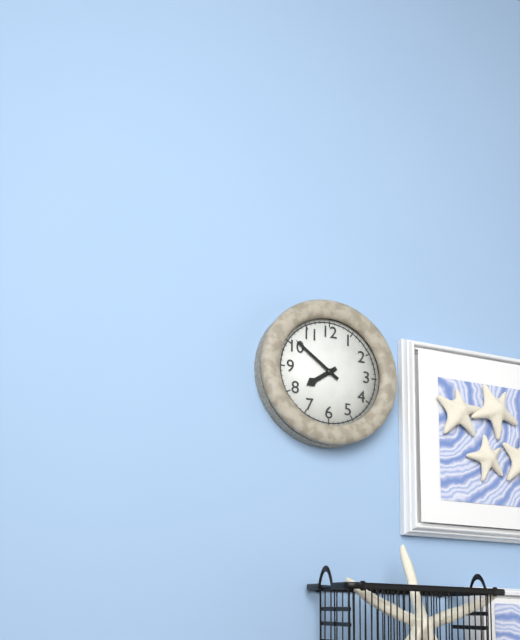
{"hour": 7, "minute": 51}
